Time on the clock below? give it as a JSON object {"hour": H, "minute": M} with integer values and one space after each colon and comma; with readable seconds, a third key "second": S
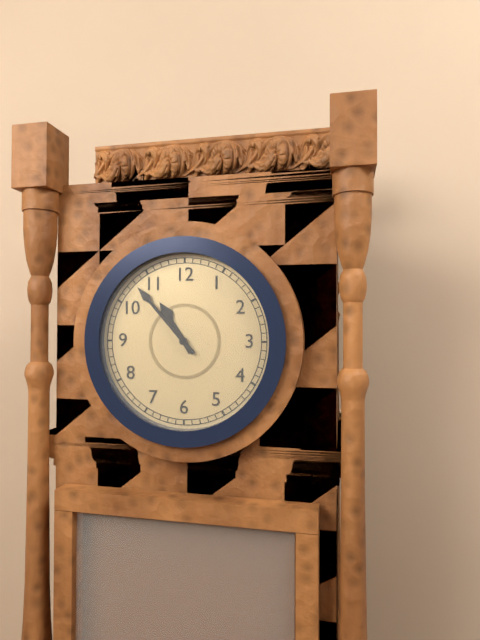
{"hour": 10, "minute": 53}
